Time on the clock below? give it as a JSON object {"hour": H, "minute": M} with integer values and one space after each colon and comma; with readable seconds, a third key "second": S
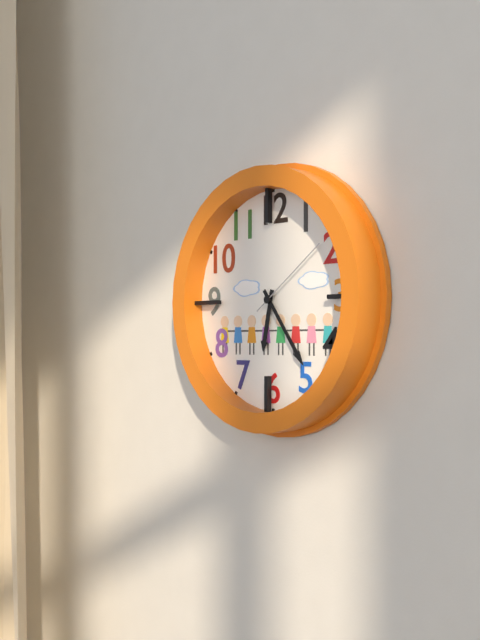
{"hour": 6, "minute": 24, "second": 9}
